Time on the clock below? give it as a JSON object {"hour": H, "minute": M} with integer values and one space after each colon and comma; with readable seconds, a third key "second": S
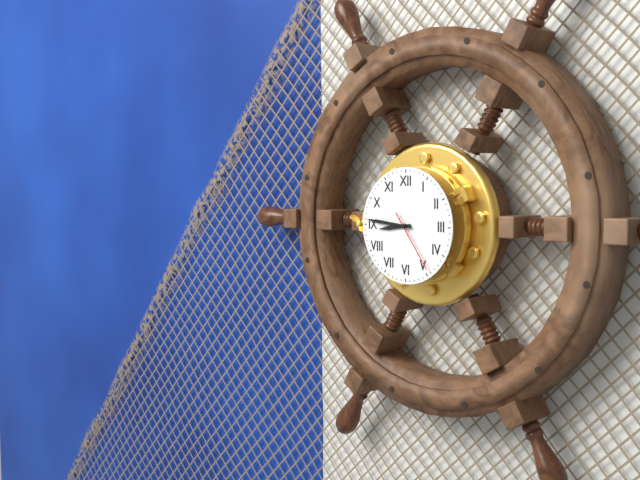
{"hour": 8, "minute": 46, "second": 24}
